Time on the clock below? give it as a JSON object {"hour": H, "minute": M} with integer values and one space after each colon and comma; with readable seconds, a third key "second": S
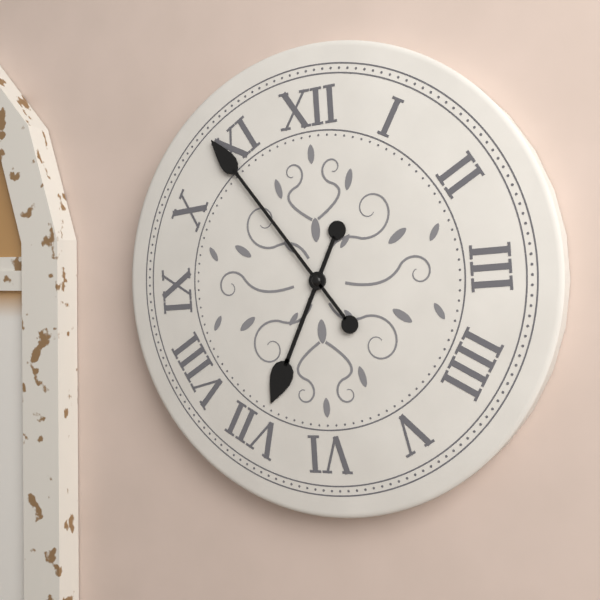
{"hour": 6, "minute": 54}
